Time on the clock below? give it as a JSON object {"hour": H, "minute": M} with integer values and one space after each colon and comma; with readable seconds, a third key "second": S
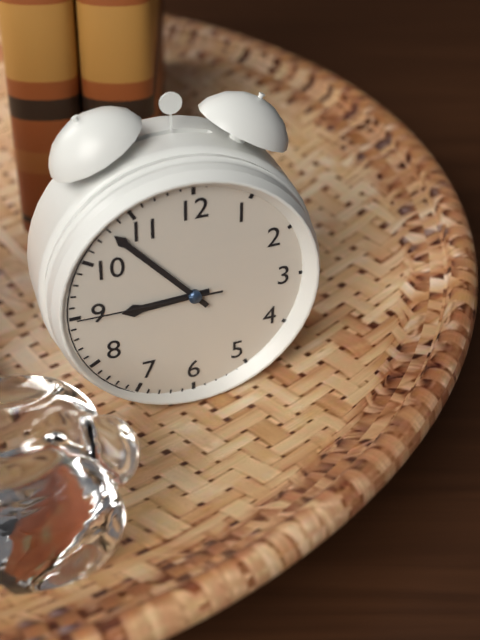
{"hour": 8, "minute": 53, "second": 45}
